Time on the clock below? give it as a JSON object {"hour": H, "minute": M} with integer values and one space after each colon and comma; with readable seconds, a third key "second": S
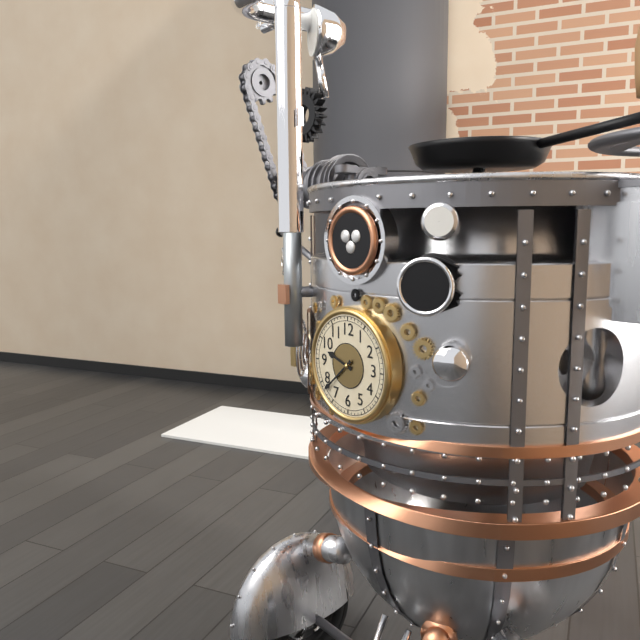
{"hour": 9, "minute": 38}
